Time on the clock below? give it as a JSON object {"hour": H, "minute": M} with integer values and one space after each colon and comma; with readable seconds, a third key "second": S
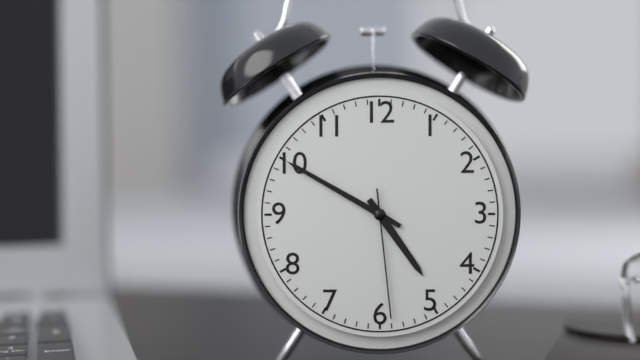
{"hour": 4, "minute": 50, "second": 29}
